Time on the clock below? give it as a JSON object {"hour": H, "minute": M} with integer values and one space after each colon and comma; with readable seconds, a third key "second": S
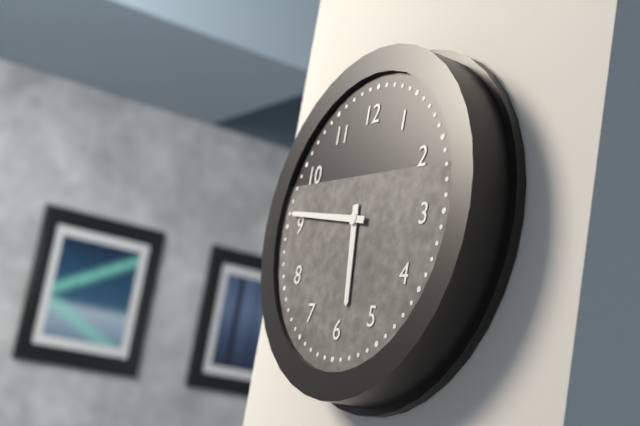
{"hour": 5, "minute": 46}
